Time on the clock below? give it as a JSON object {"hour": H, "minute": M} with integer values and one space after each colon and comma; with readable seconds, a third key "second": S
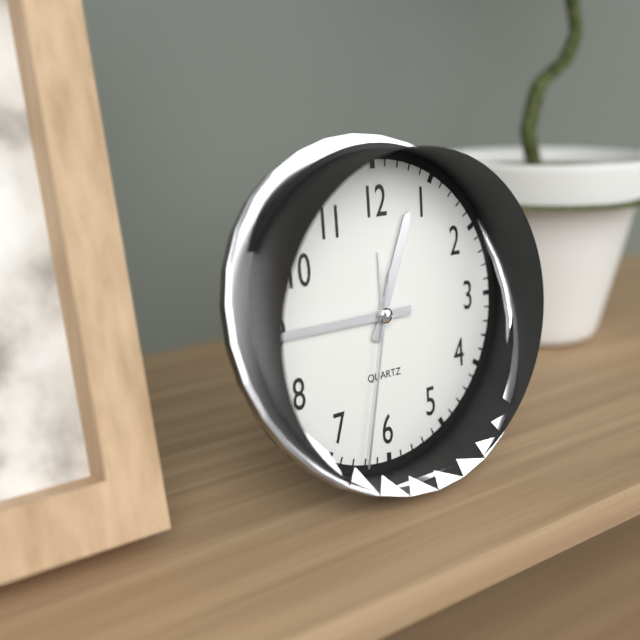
{"hour": 12, "minute": 45, "second": 32}
